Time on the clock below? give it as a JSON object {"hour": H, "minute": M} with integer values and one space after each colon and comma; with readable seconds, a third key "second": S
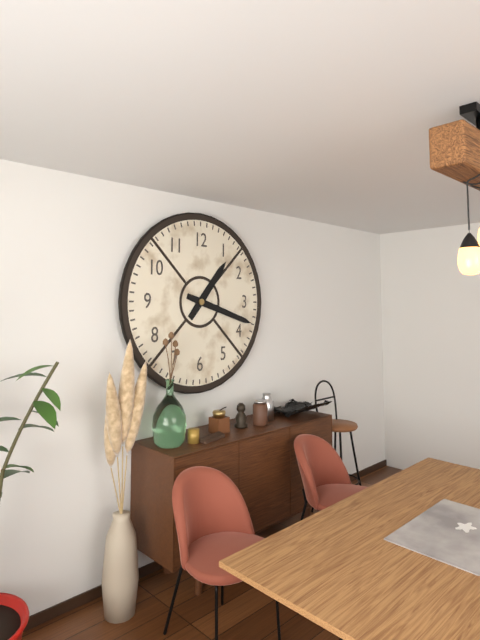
{"hour": 1, "minute": 18}
